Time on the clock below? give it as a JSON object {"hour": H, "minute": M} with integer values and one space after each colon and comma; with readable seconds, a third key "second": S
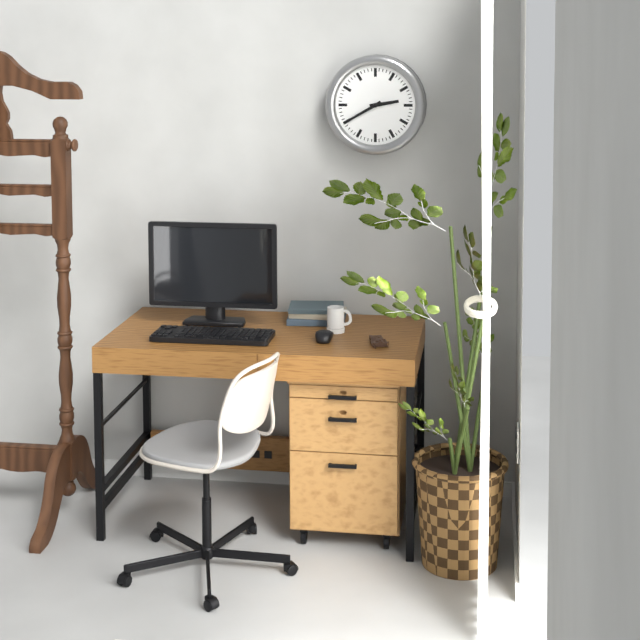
{"hour": 2, "minute": 40}
